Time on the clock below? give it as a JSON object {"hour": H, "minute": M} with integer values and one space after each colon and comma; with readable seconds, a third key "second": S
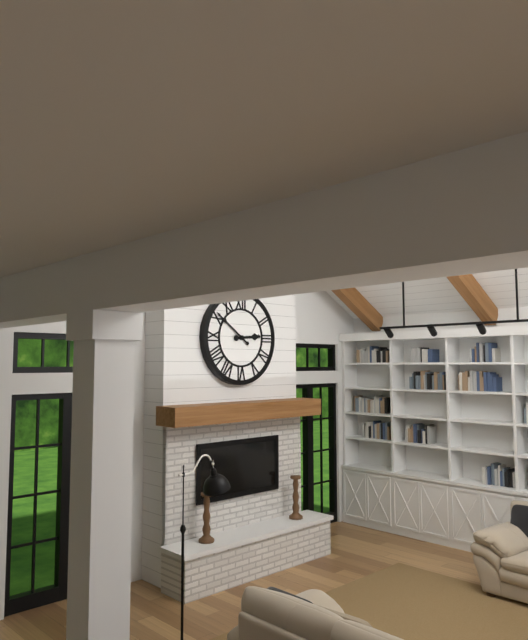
{"hour": 2, "minute": 51}
